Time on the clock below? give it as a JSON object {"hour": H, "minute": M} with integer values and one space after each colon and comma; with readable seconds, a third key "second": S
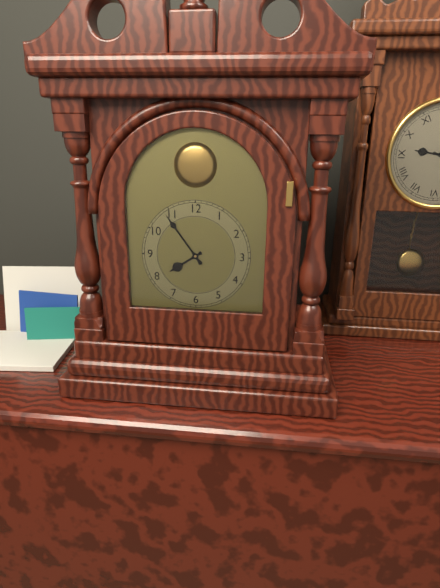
{"hour": 7, "minute": 54}
